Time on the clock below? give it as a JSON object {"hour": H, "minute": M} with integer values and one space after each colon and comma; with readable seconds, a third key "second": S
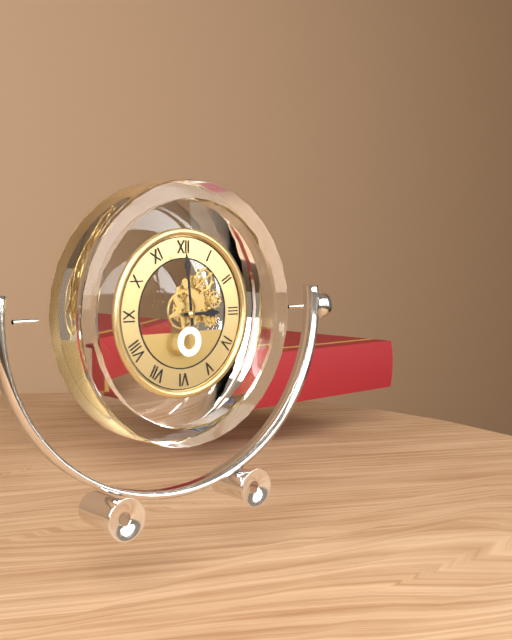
{"hour": 2, "minute": 59}
